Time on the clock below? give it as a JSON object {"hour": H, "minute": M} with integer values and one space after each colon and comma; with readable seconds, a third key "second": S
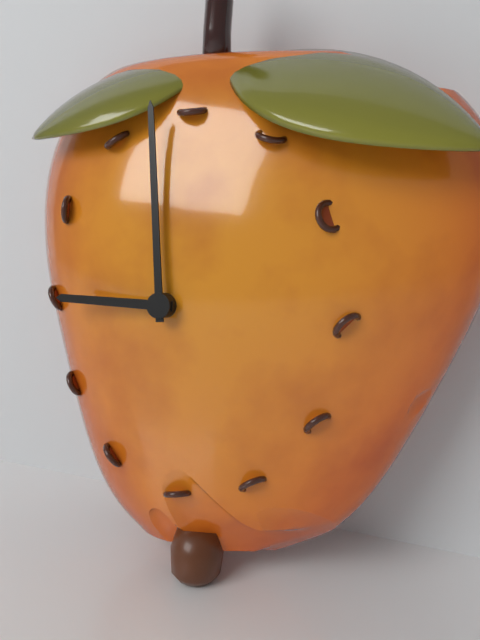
{"hour": 8, "minute": 59}
